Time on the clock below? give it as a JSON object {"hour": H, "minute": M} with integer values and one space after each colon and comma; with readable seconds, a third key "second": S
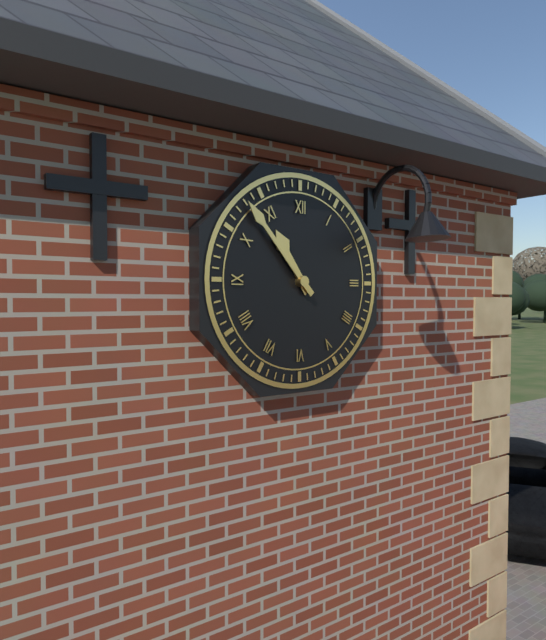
{"hour": 10, "minute": 53}
